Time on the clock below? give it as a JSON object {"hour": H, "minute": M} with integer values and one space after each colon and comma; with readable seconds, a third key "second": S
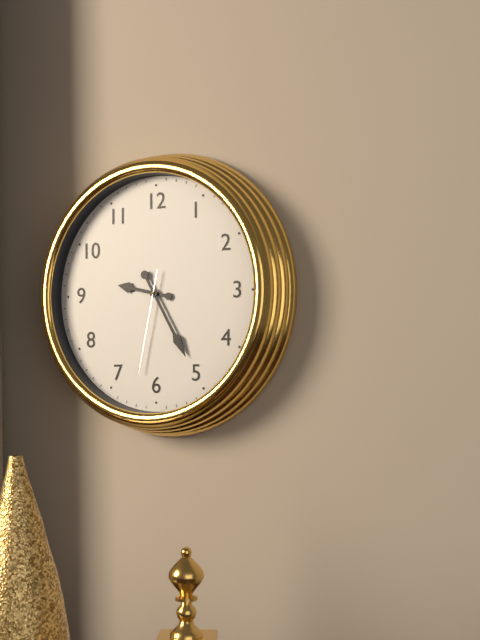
{"hour": 9, "minute": 25, "second": 32}
